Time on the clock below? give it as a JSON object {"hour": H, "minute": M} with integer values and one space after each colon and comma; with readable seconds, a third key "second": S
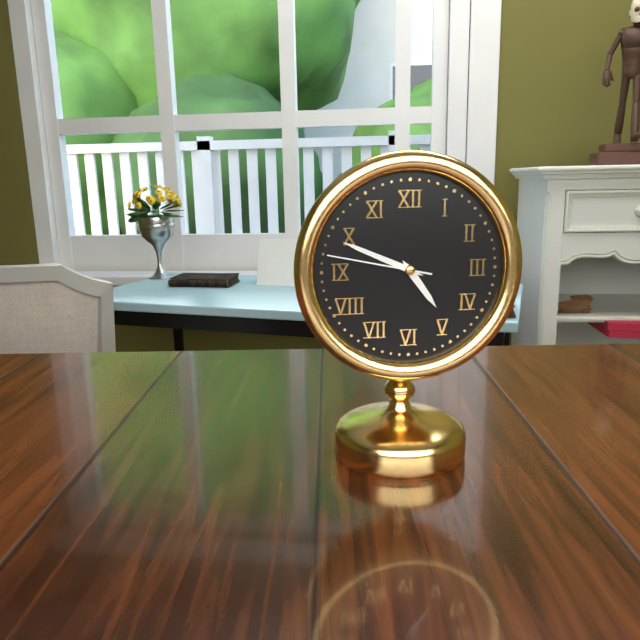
{"hour": 4, "minute": 49, "second": 47}
